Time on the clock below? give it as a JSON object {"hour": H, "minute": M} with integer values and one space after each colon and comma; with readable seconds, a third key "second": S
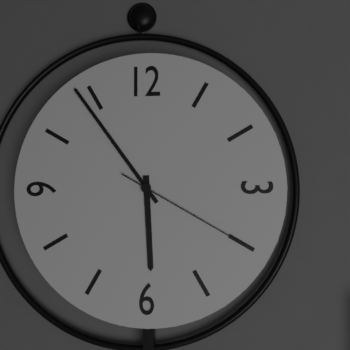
{"hour": 5, "minute": 54, "second": 20}
